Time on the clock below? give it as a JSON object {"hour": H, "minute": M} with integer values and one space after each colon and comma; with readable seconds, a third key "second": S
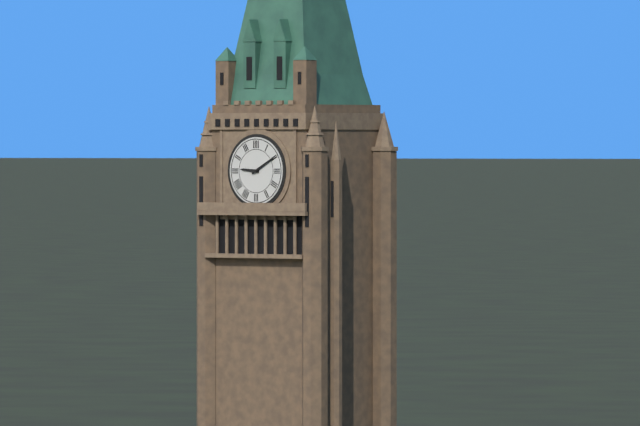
{"hour": 9, "minute": 10}
